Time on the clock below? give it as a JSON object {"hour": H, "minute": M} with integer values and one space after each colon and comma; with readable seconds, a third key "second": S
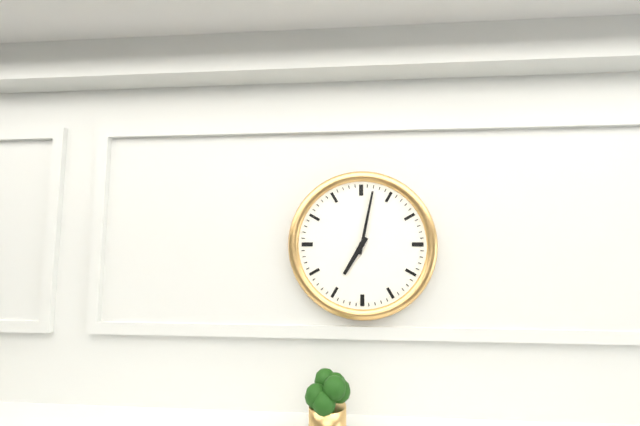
{"hour": 7, "minute": 2}
